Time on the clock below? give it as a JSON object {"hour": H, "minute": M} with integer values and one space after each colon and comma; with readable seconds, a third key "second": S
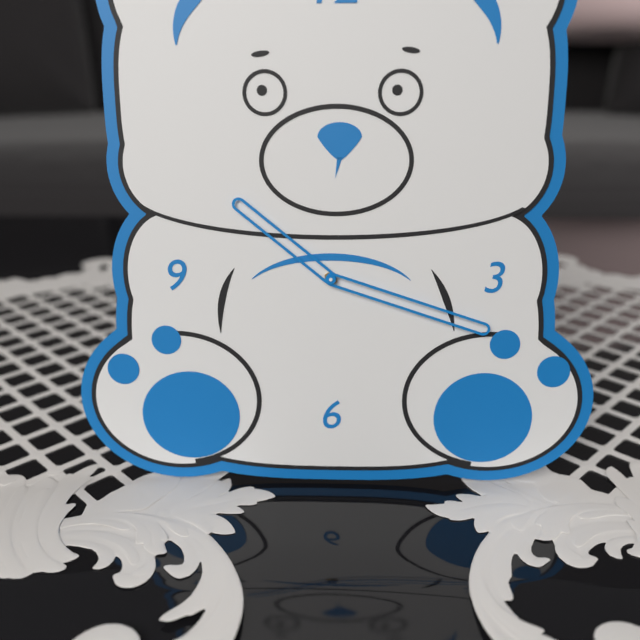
{"hour": 10, "minute": 18}
